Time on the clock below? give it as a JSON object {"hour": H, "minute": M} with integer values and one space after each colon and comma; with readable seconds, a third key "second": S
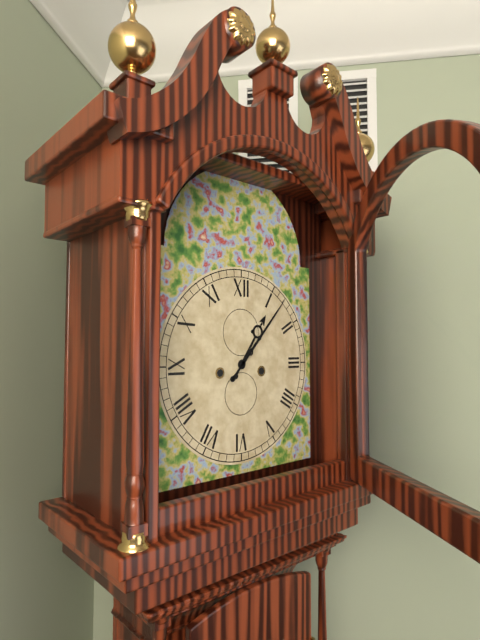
{"hour": 1, "minute": 7}
